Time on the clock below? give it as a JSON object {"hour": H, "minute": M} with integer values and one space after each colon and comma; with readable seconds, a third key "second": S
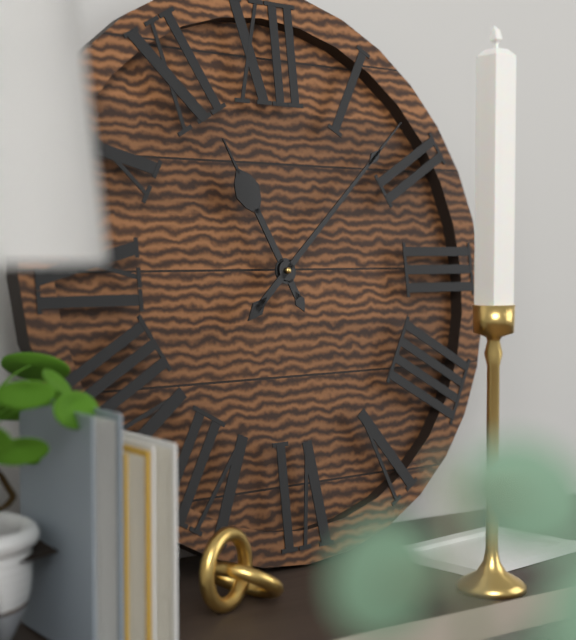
{"hour": 11, "minute": 8}
